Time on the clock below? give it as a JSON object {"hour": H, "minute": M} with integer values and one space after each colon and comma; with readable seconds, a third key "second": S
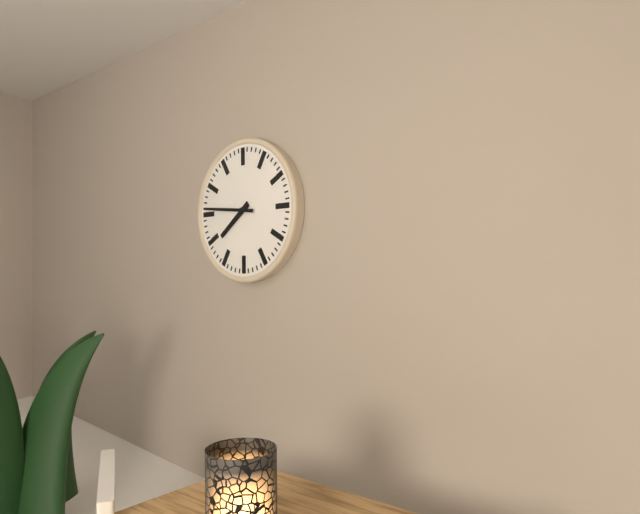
{"hour": 7, "minute": 46}
